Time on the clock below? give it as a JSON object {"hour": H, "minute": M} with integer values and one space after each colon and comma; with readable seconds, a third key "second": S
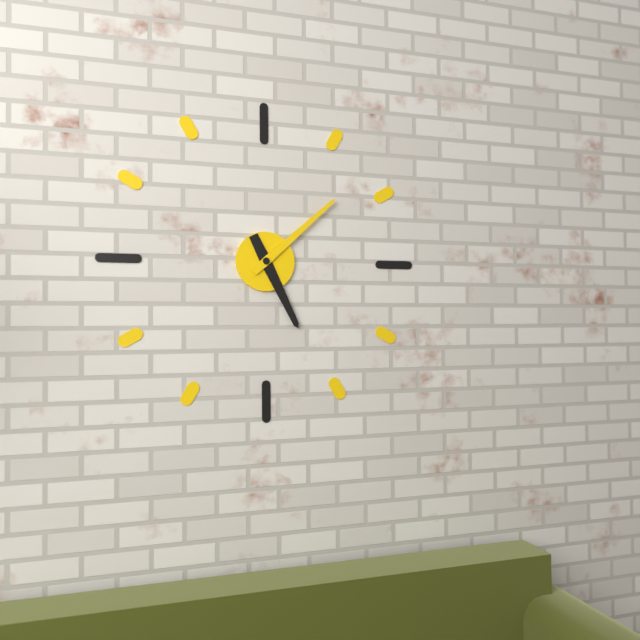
{"hour": 5, "minute": 8}
